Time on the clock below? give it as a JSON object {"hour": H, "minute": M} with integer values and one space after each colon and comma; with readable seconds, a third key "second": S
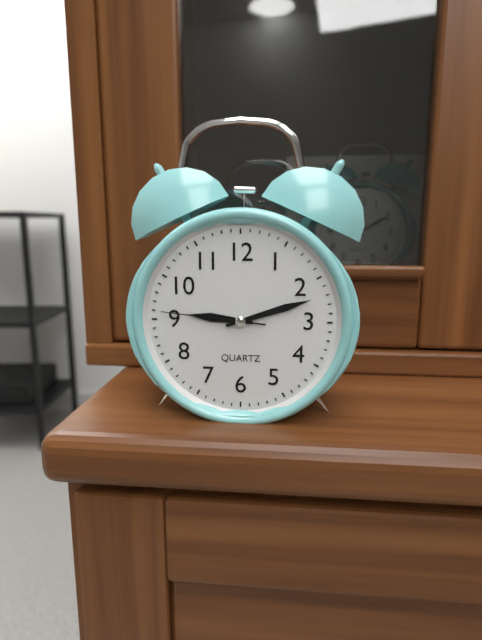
{"hour": 9, "minute": 12, "second": 46}
